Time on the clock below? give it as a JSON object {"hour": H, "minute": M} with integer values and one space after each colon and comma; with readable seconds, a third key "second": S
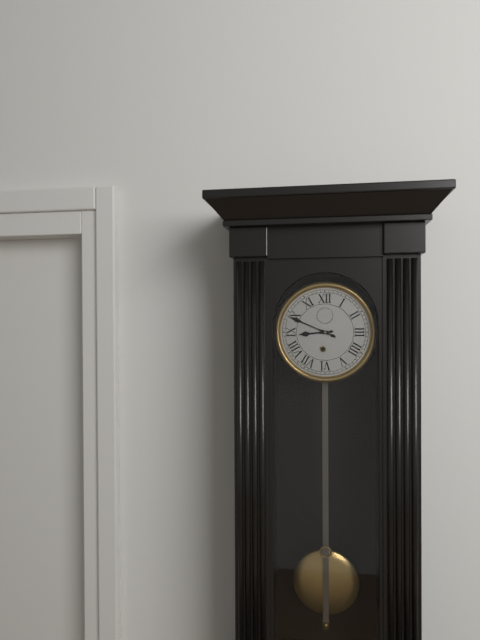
{"hour": 8, "minute": 49}
